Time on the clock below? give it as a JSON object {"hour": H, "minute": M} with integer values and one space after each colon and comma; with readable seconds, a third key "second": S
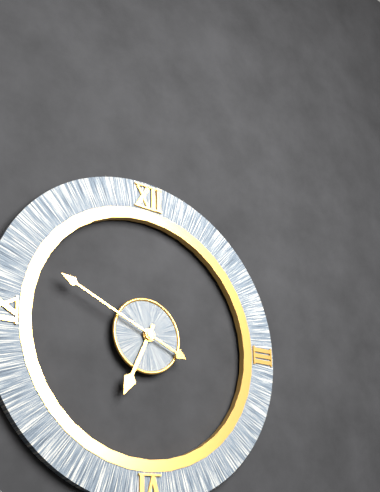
{"hour": 6, "minute": 49}
